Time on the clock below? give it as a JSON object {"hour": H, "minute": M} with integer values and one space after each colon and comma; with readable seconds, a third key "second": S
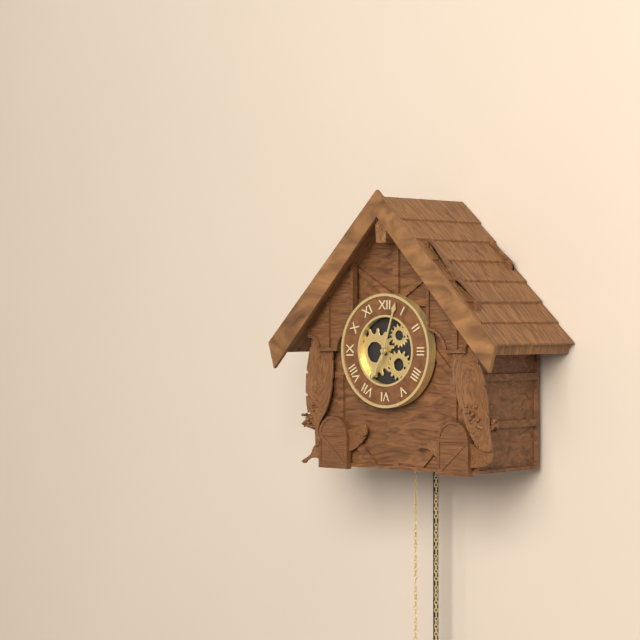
{"hour": 7, "minute": 3}
